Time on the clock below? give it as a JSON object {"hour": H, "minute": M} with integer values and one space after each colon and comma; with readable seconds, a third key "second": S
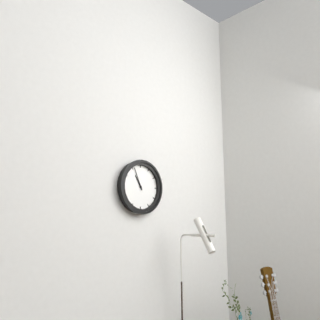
{"hour": 10, "minute": 56}
